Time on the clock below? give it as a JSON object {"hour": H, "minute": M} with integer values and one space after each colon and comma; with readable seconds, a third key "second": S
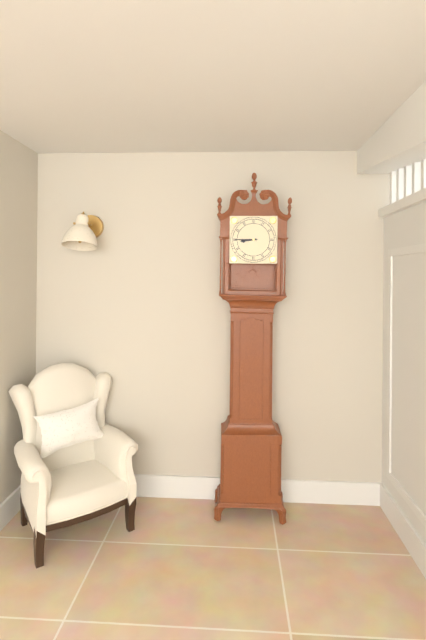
{"hour": 8, "minute": 45}
